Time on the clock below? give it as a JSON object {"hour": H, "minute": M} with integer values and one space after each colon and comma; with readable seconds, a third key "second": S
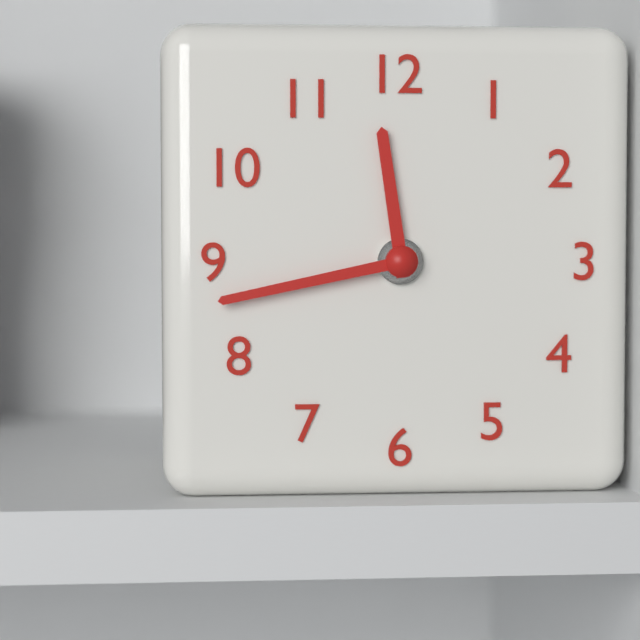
{"hour": 11, "minute": 43}
